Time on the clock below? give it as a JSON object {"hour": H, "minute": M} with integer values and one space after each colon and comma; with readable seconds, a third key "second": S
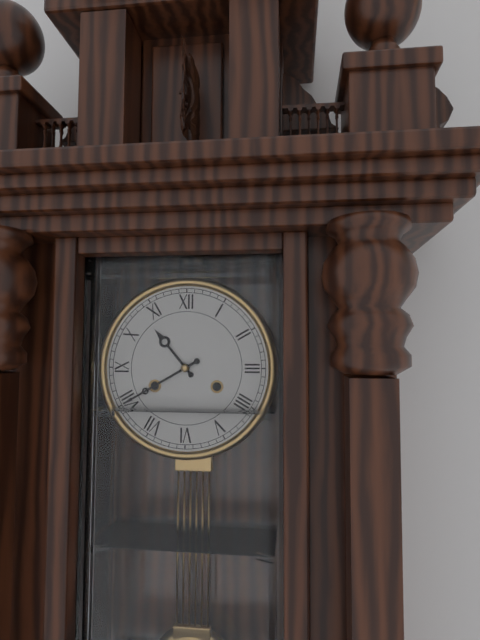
{"hour": 10, "minute": 40}
